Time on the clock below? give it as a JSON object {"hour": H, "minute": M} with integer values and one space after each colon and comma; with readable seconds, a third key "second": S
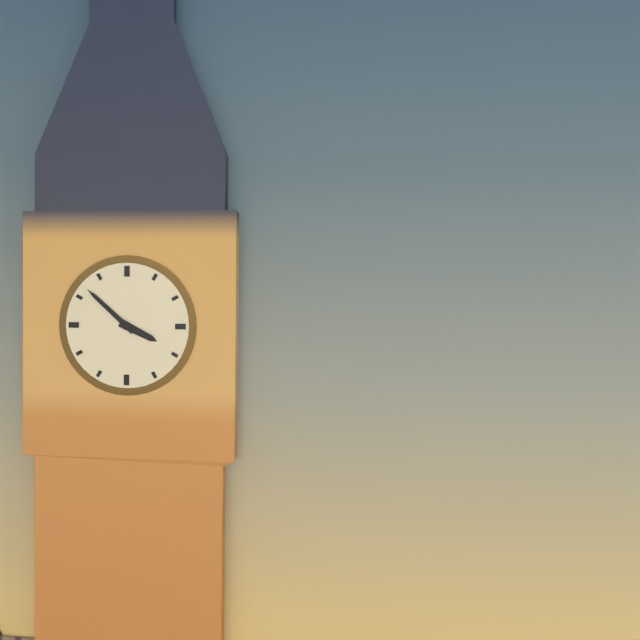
{"hour": 3, "minute": 52}
